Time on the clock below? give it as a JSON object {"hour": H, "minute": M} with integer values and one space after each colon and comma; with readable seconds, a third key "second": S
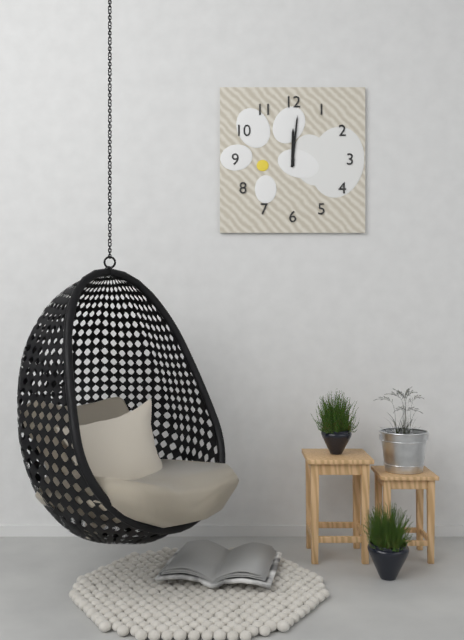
{"hour": 12, "minute": 1}
